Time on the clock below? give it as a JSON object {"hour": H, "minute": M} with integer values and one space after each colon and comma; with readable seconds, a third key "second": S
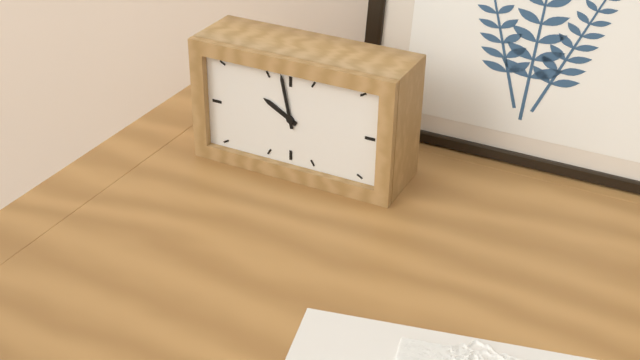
{"hour": 9, "minute": 58}
